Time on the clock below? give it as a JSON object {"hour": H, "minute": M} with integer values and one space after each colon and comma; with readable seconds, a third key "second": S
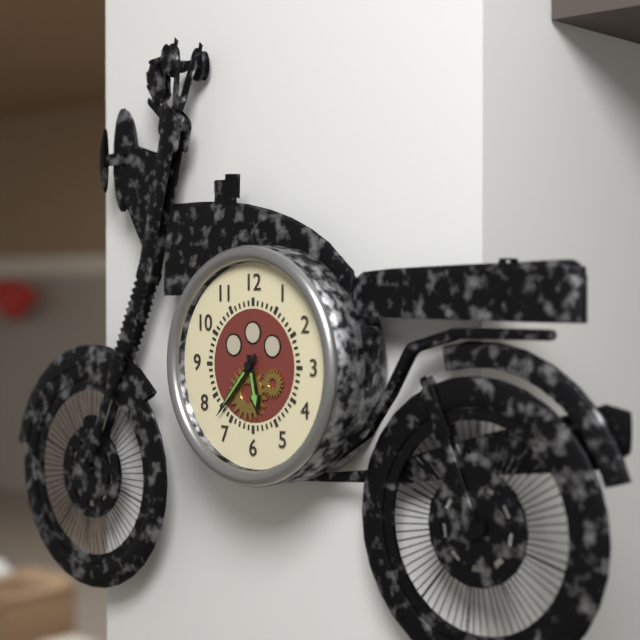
{"hour": 5, "minute": 37}
